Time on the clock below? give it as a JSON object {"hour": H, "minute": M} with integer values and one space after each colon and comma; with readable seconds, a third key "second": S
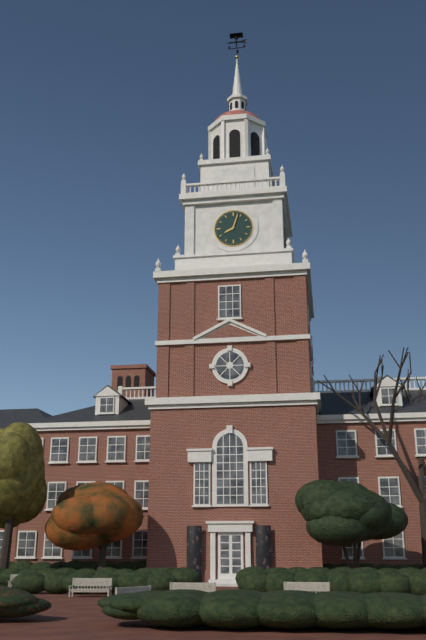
{"hour": 8, "minute": 3}
